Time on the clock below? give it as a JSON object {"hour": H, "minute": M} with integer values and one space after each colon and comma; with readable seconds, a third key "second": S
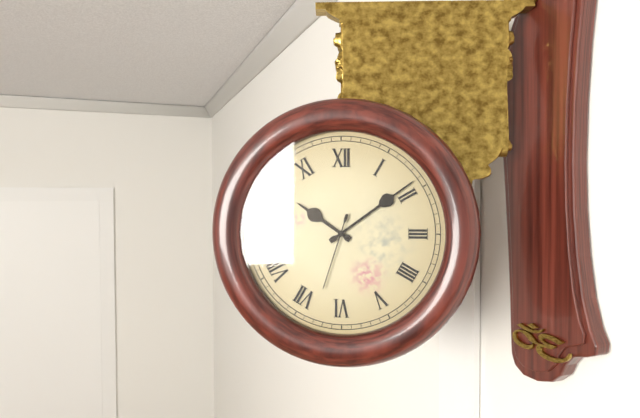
{"hour": 10, "minute": 9, "second": 33}
